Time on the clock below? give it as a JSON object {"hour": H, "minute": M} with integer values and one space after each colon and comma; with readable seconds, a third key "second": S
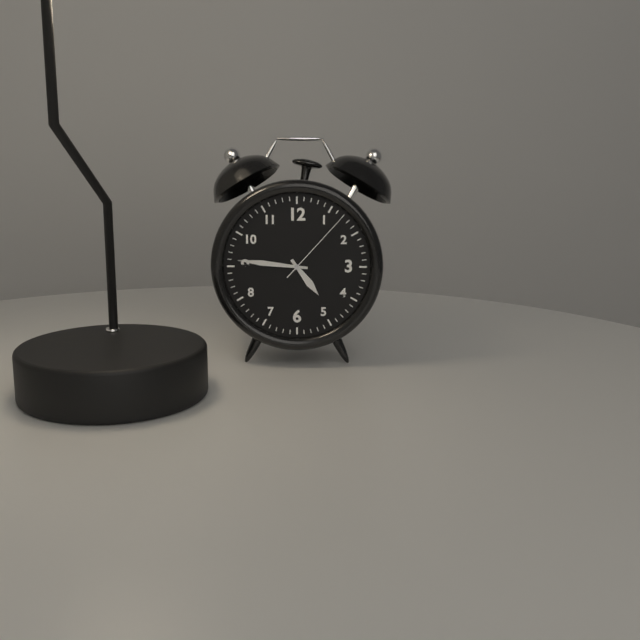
{"hour": 4, "minute": 46, "second": 7}
